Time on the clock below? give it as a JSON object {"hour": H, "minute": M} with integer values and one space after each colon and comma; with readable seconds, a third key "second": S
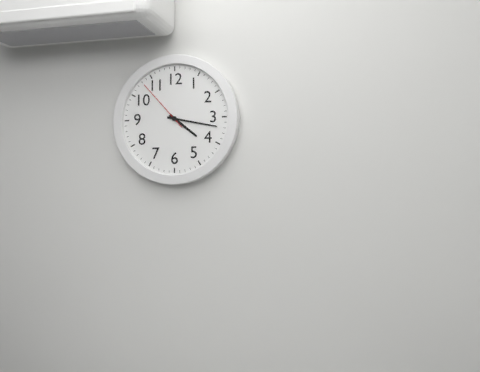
{"hour": 4, "minute": 17, "second": 53}
